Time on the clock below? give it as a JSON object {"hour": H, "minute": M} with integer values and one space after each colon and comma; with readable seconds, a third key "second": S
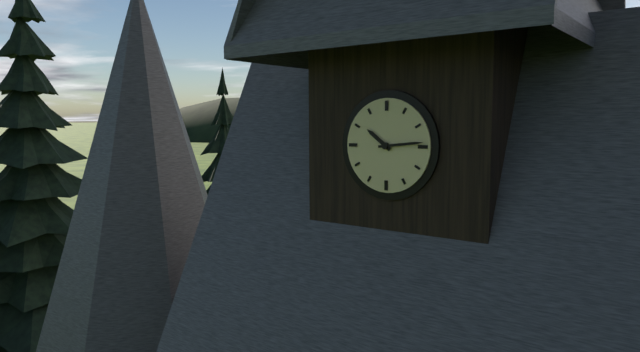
{"hour": 10, "minute": 14}
